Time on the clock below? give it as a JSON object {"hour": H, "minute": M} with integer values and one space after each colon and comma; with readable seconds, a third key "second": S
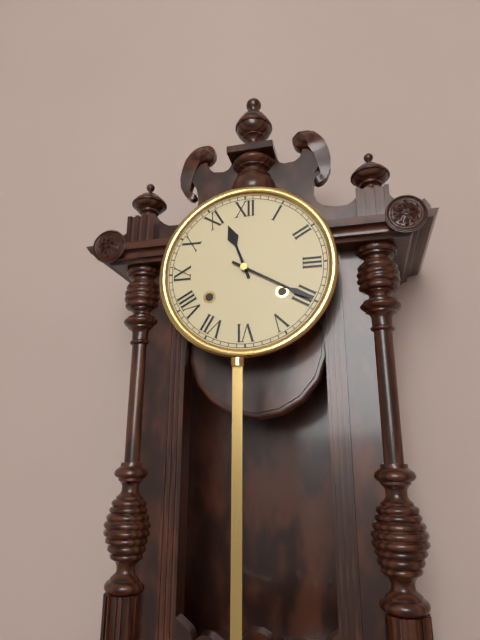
{"hour": 11, "minute": 20}
